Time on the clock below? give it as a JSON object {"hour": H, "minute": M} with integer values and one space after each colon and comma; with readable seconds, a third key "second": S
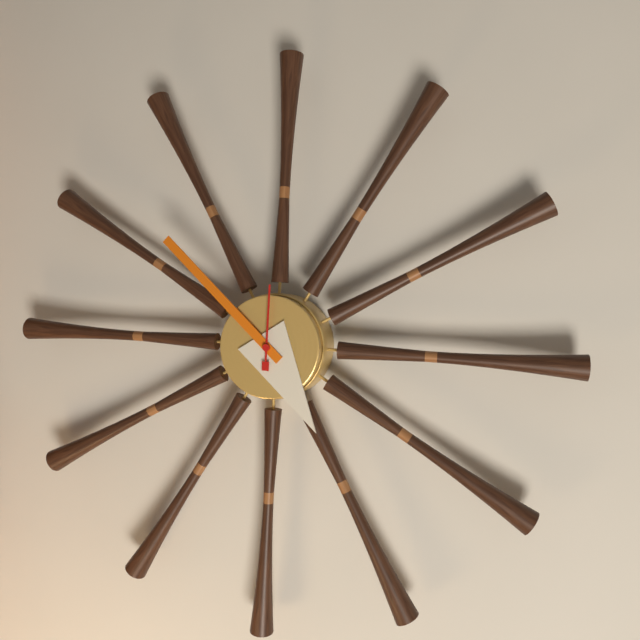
{"hour": 4, "minute": 52, "second": 0}
